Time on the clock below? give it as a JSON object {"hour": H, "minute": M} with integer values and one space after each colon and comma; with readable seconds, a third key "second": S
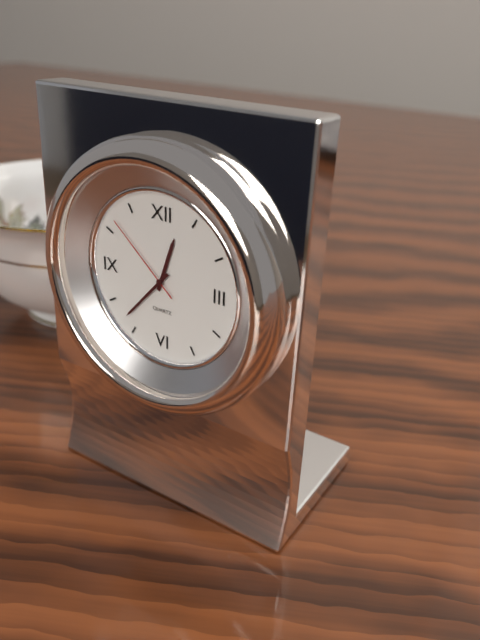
{"hour": 12, "minute": 37, "second": 52}
